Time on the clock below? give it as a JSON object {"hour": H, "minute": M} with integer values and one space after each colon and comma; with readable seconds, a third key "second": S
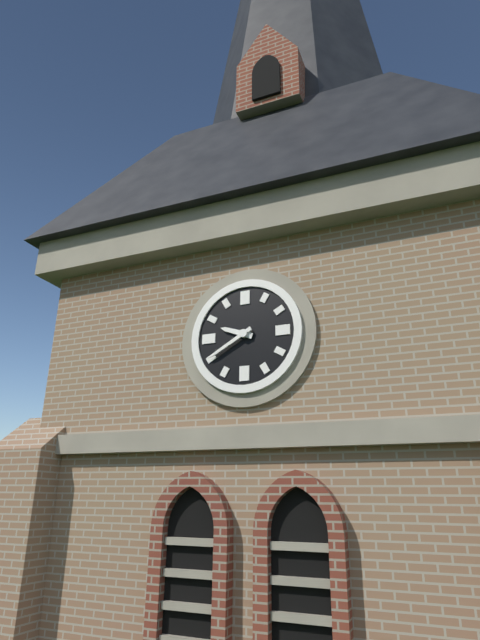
{"hour": 9, "minute": 40}
